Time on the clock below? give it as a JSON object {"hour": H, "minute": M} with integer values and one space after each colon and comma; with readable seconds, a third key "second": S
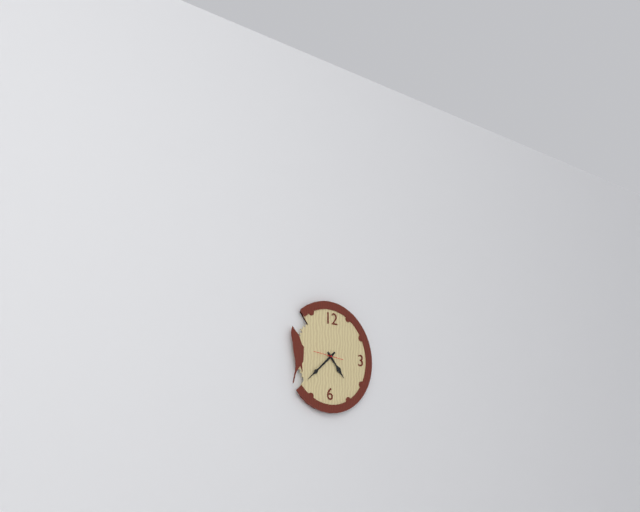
{"hour": 4, "minute": 38}
